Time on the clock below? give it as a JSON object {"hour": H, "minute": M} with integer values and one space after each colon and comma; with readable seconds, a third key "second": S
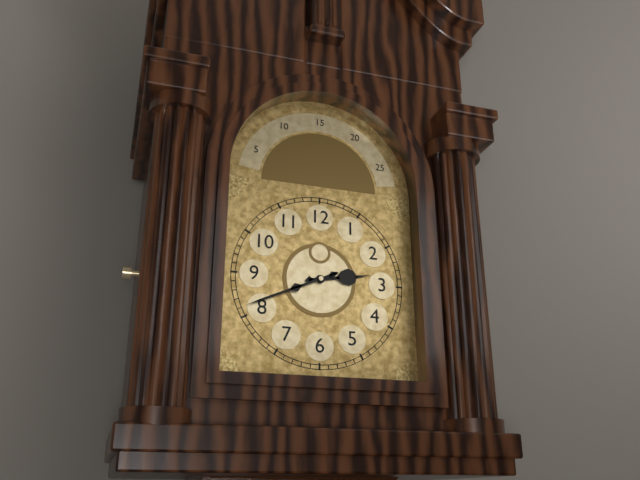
{"hour": 2, "minute": 41}
